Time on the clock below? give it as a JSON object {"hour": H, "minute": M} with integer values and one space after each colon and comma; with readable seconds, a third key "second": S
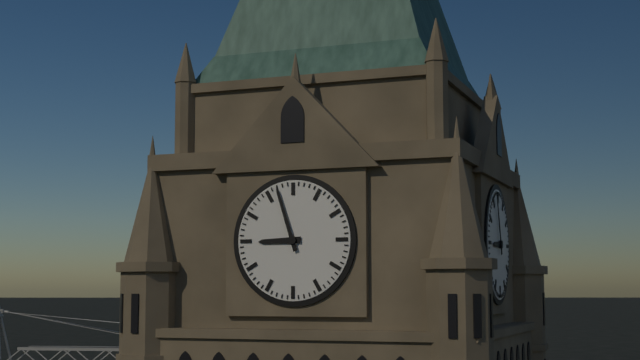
{"hour": 8, "minute": 57}
